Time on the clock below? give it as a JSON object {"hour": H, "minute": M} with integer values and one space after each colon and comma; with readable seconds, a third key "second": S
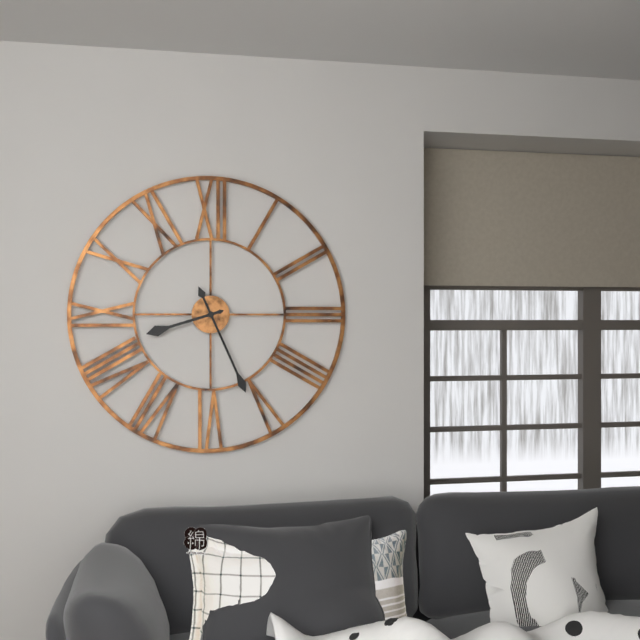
{"hour": 8, "minute": 26}
